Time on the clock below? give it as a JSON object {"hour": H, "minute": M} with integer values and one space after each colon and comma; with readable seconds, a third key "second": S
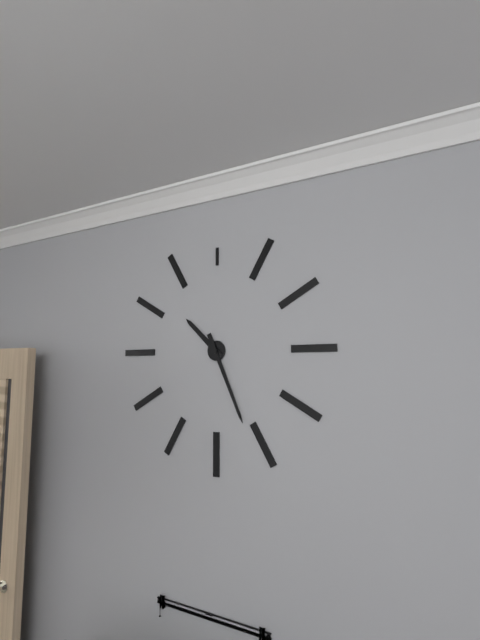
{"hour": 10, "minute": 26}
